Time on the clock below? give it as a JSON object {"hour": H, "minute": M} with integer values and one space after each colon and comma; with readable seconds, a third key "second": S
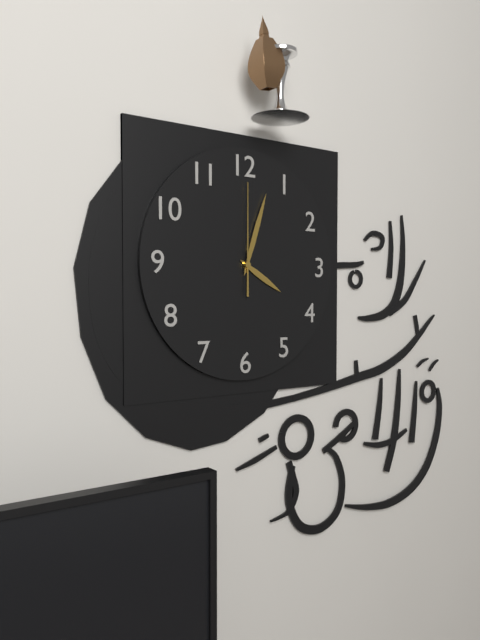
{"hour": 4, "minute": 3, "second": 0}
